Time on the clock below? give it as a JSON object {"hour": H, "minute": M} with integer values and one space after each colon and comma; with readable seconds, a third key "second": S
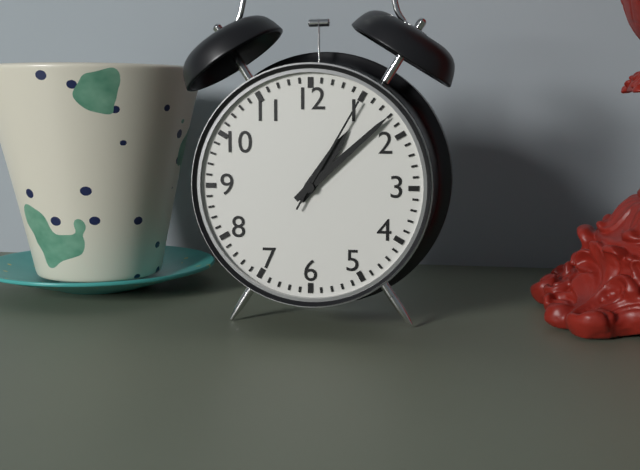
{"hour": 1, "minute": 8, "second": 5}
